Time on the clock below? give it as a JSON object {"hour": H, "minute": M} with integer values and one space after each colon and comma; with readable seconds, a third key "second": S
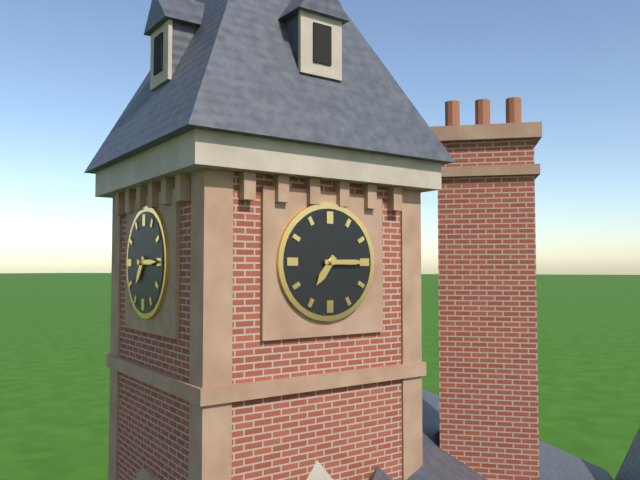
{"hour": 7, "minute": 15}
